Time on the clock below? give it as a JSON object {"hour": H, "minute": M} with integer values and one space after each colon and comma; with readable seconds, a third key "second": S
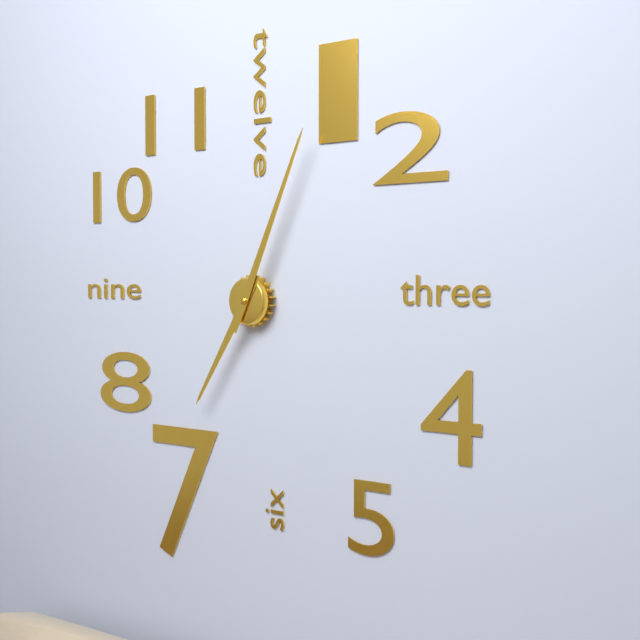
{"hour": 7, "minute": 4}
